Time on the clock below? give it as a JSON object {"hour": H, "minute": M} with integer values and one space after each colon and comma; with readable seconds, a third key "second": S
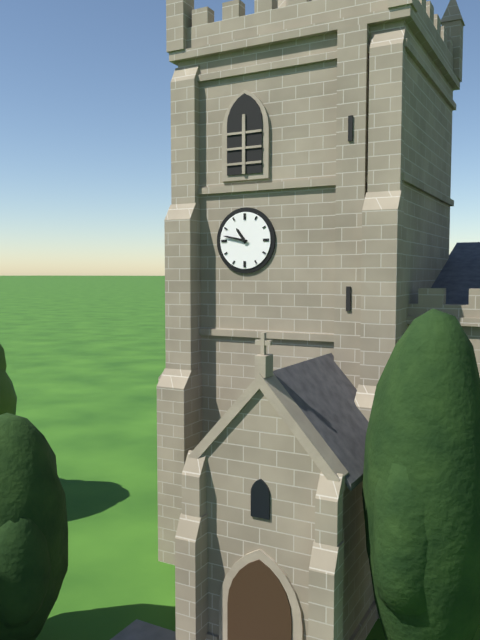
{"hour": 10, "minute": 47}
